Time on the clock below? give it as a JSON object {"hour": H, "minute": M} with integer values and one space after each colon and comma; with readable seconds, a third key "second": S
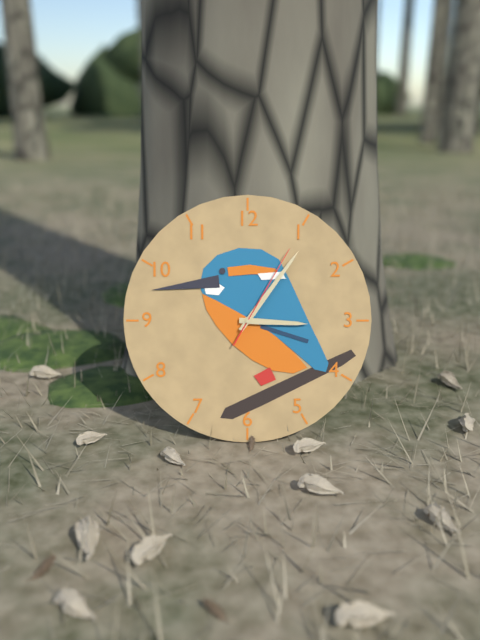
{"hour": 3, "minute": 6, "second": 5}
